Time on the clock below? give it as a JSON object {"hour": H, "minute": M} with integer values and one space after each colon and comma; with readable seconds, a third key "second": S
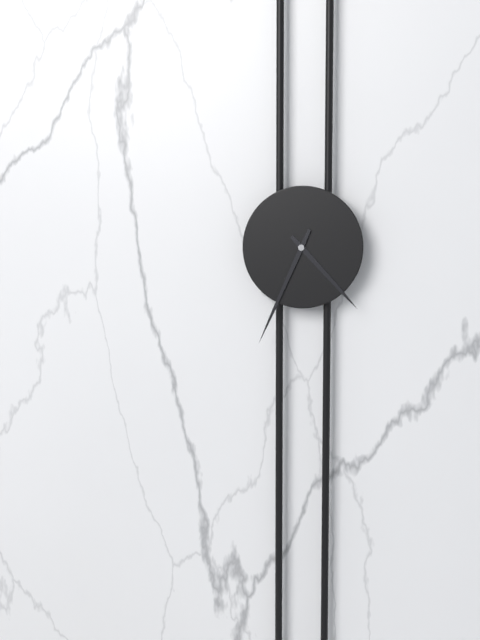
{"hour": 4, "minute": 34}
